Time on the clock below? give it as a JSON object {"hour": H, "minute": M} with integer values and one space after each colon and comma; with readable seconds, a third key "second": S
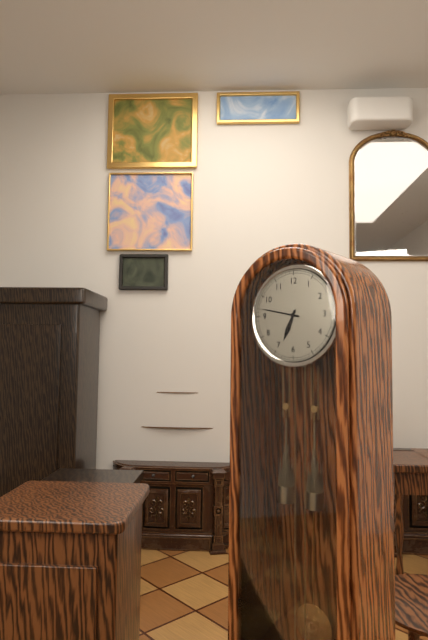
{"hour": 6, "minute": 47}
